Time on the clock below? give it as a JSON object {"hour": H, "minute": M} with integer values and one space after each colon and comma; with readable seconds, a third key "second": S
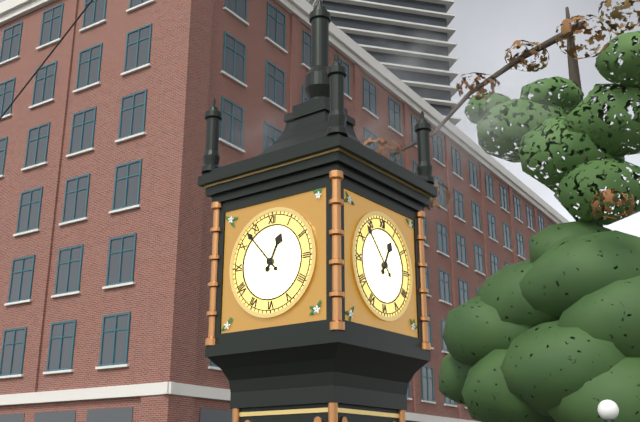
{"hour": 12, "minute": 53}
